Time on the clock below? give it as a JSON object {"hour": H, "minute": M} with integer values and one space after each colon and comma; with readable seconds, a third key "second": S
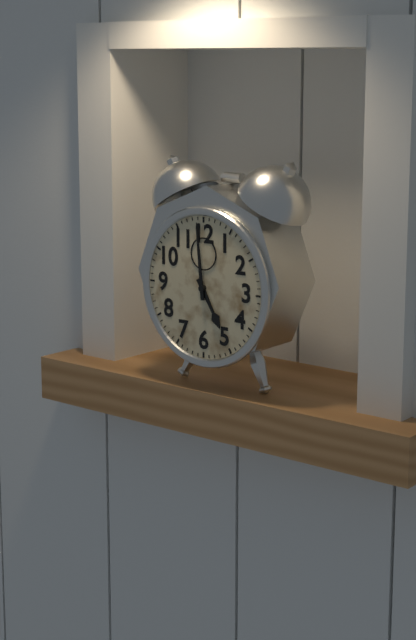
{"hour": 4, "minute": 59}
